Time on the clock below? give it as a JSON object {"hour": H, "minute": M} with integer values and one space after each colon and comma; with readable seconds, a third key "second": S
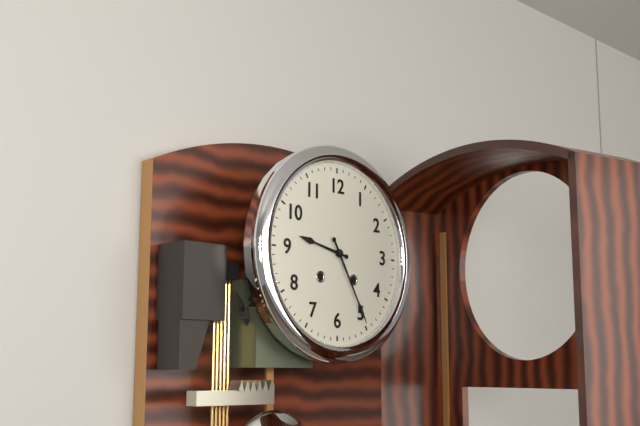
{"hour": 9, "minute": 25}
